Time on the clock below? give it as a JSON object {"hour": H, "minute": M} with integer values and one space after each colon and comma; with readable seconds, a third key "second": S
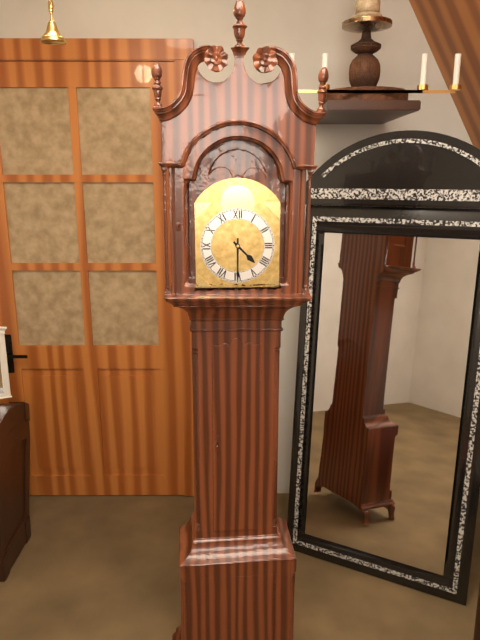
{"hour": 4, "minute": 30}
